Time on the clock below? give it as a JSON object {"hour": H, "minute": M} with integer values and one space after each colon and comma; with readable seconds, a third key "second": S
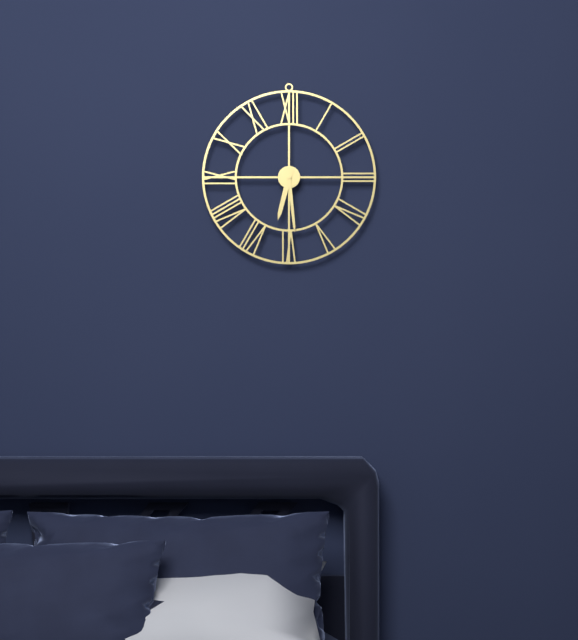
{"hour": 6, "minute": 29}
